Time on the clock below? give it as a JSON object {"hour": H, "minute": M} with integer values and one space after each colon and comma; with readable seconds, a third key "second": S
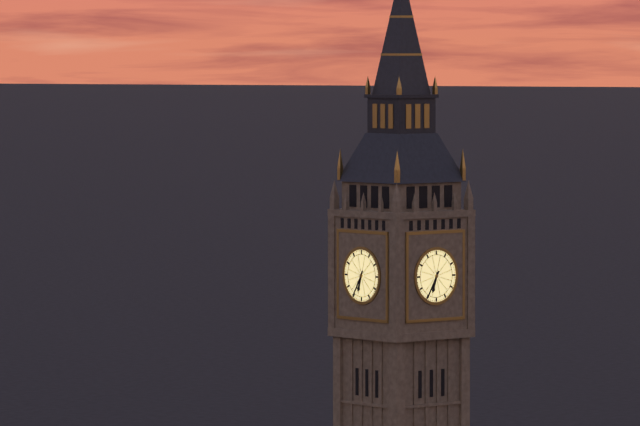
{"hour": 6, "minute": 35}
